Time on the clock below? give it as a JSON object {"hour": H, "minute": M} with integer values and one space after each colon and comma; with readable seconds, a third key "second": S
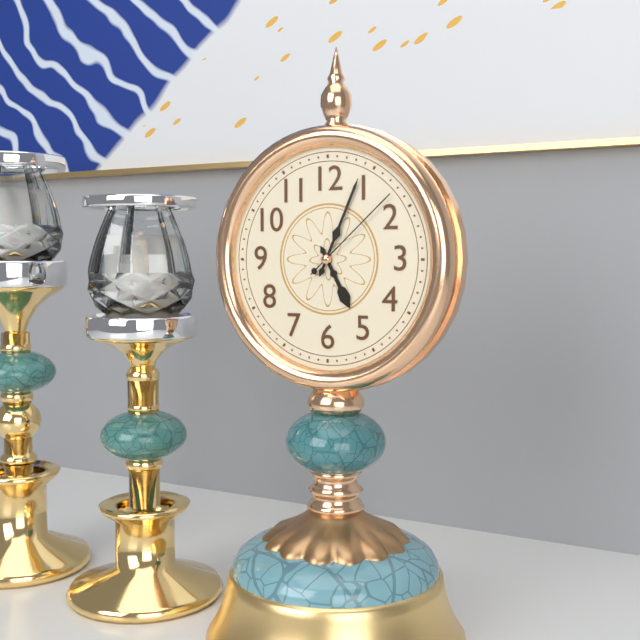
{"hour": 5, "minute": 4, "second": 8}
